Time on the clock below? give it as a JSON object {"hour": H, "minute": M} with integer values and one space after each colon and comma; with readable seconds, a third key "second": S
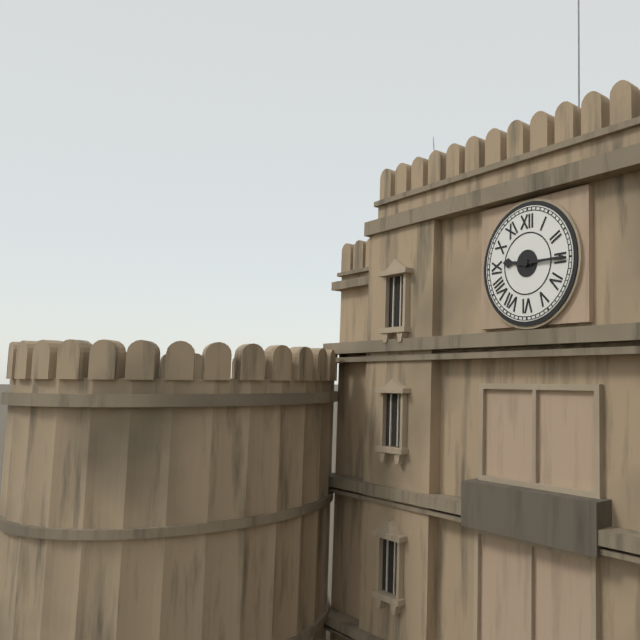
{"hour": 9, "minute": 15}
